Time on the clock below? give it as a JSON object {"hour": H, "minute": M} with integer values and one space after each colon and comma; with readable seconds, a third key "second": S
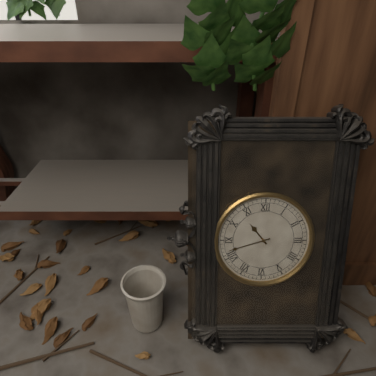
{"hour": 10, "minute": 42}
